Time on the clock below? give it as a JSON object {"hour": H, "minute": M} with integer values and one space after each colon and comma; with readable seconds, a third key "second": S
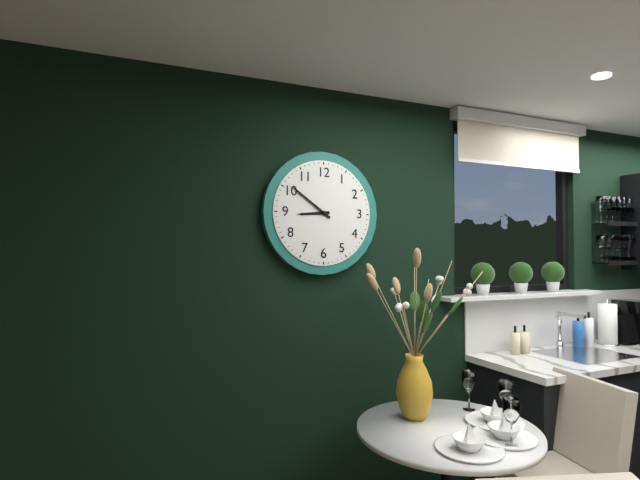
{"hour": 8, "minute": 51}
